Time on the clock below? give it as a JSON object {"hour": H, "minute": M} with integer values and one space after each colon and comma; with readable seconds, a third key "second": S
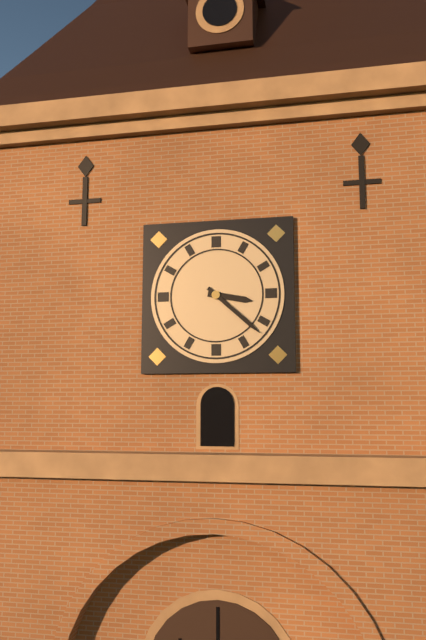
{"hour": 3, "minute": 22}
